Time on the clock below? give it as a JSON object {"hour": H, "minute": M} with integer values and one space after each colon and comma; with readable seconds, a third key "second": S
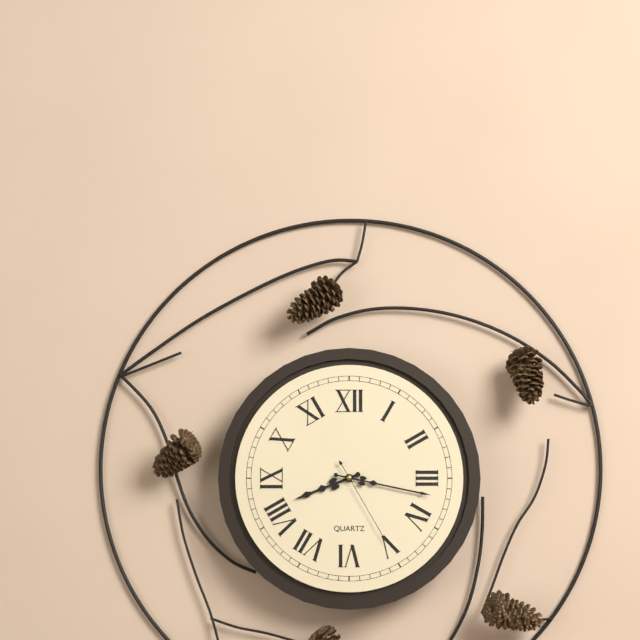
{"hour": 8, "minute": 17, "second": 25}
